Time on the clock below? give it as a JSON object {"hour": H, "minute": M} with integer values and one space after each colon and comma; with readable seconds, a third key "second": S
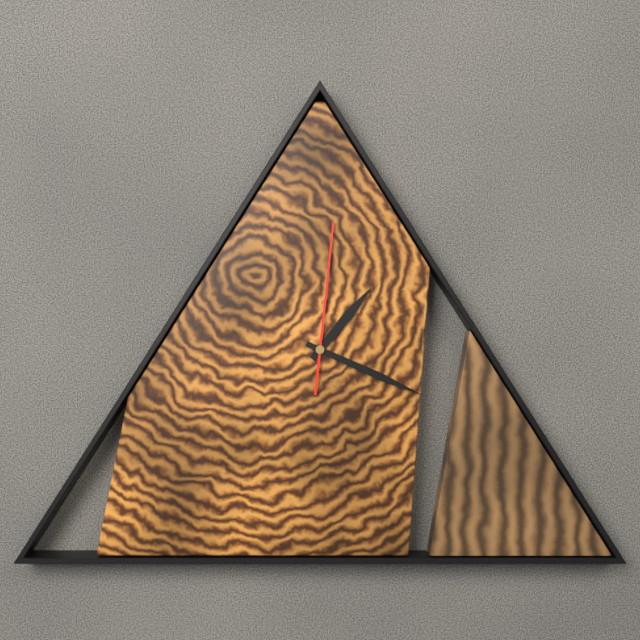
{"hour": 1, "minute": 19, "second": 1}
